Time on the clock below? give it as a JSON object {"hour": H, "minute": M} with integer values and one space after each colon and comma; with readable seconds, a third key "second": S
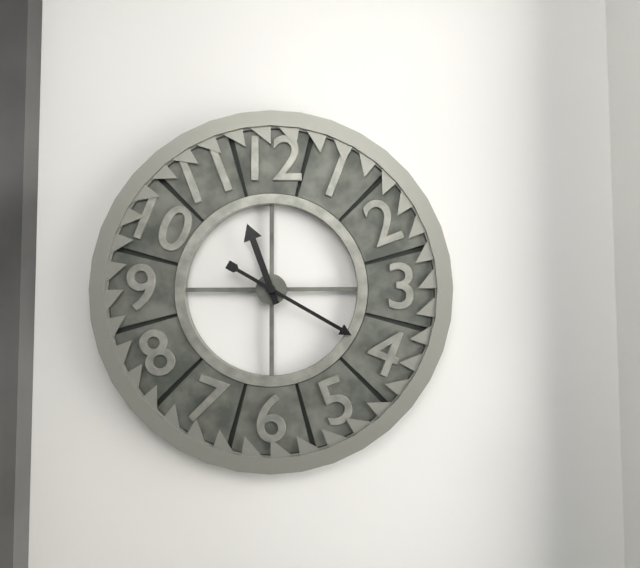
{"hour": 11, "minute": 20}
